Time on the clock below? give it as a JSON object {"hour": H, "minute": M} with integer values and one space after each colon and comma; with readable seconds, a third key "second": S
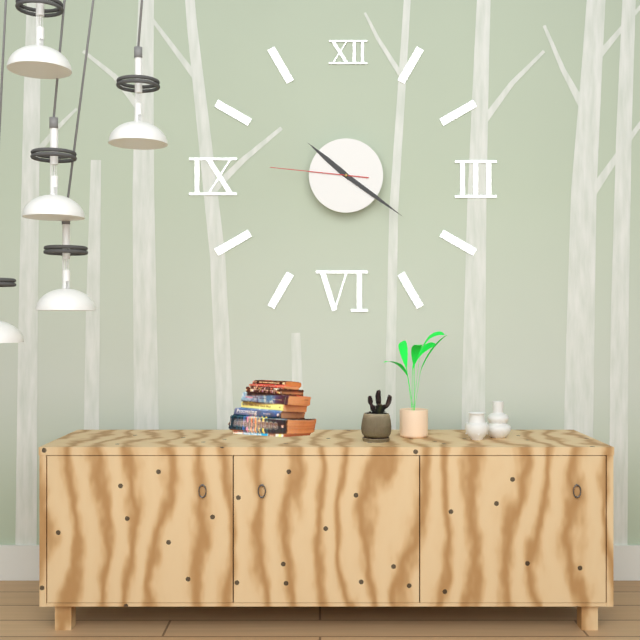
{"hour": 10, "minute": 21, "second": 46}
